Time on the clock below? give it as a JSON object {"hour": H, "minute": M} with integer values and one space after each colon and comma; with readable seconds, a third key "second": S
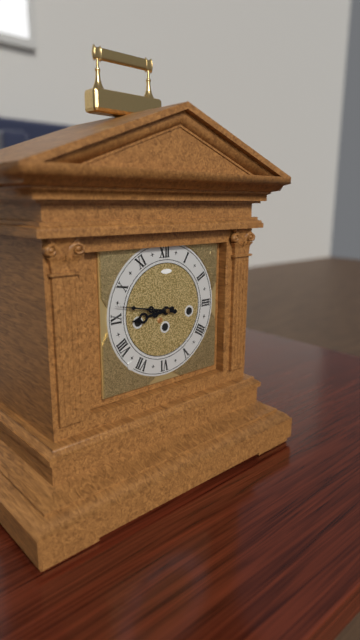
{"hour": 8, "minute": 47}
